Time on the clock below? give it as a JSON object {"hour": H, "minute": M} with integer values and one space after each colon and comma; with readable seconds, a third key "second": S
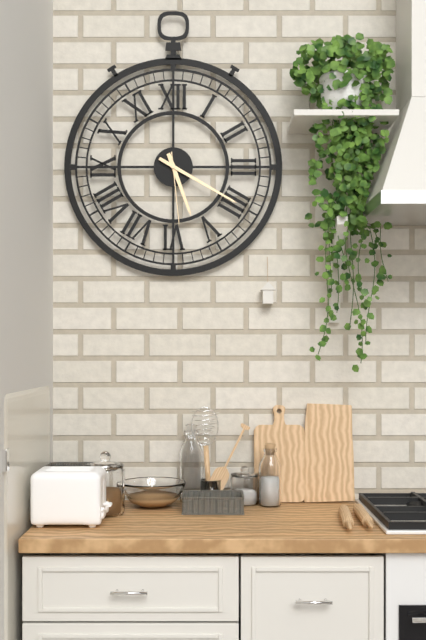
{"hour": 5, "minute": 20, "second": 29}
